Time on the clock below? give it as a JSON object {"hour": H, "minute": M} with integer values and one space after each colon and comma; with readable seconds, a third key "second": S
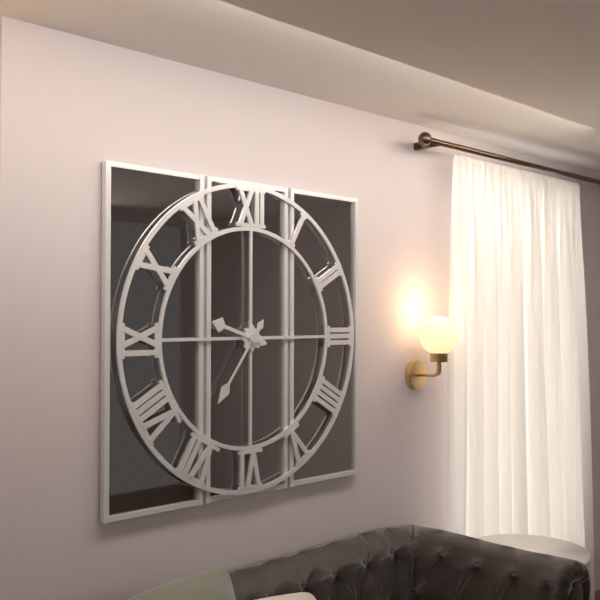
{"hour": 9, "minute": 36}
